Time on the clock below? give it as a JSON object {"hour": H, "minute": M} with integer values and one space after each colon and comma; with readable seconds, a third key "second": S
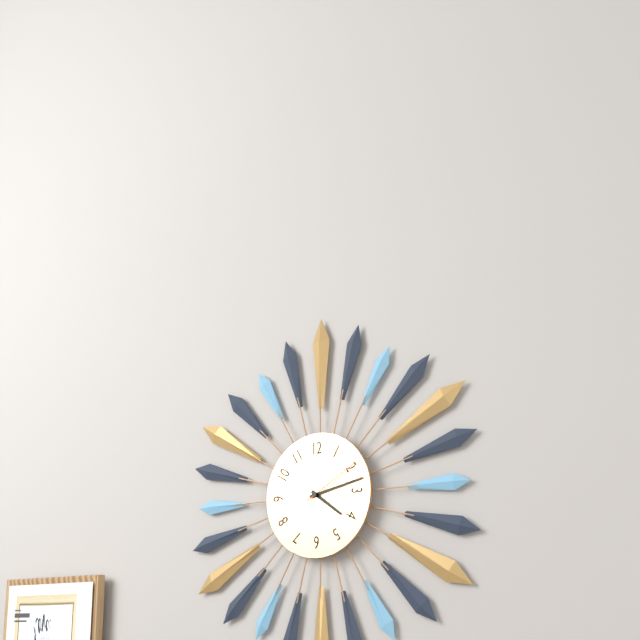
{"hour": 4, "minute": 13, "second": 10}
